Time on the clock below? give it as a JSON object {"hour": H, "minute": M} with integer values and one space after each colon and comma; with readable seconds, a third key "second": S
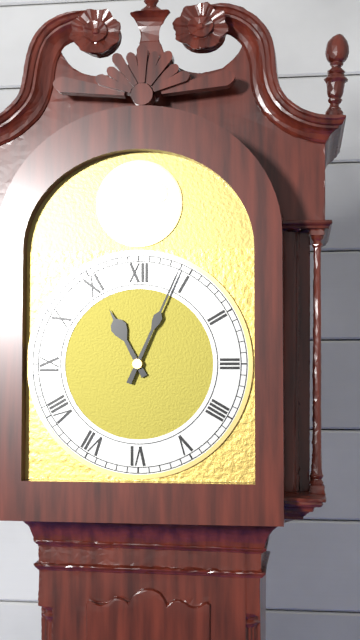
{"hour": 11, "minute": 4}
